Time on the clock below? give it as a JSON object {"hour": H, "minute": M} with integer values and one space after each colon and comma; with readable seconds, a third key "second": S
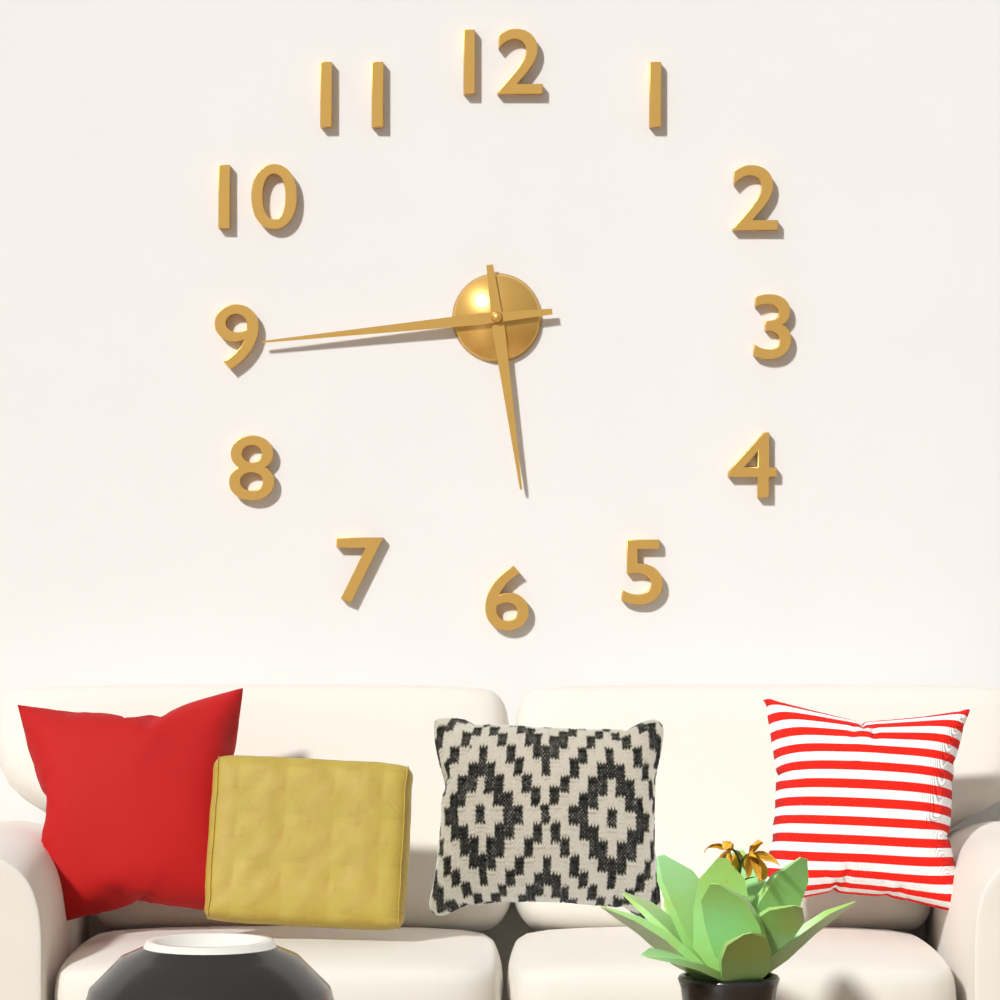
{"hour": 5, "minute": 44}
